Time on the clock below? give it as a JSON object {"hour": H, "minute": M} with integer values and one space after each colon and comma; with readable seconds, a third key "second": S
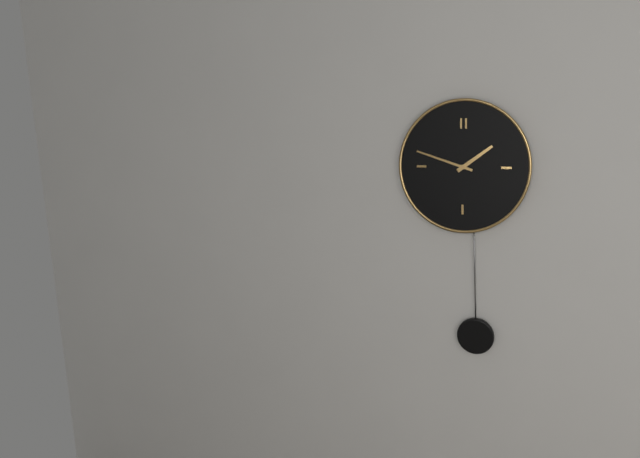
{"hour": 1, "minute": 48}
